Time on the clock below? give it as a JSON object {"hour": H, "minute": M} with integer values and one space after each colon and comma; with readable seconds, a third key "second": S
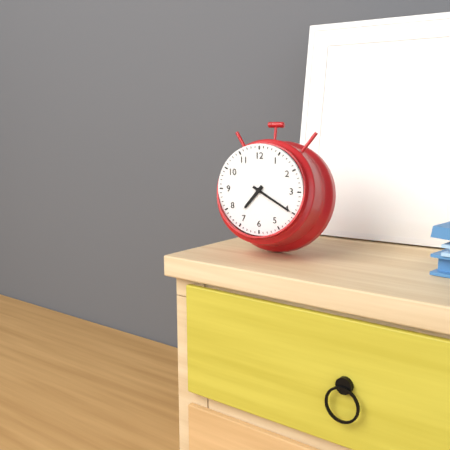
{"hour": 7, "minute": 20}
